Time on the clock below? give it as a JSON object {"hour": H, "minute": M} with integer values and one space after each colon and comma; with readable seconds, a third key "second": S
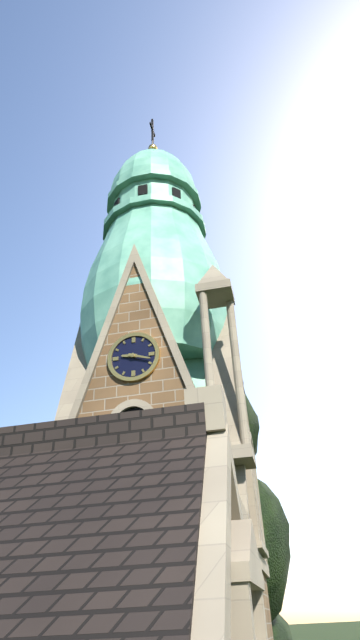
{"hour": 9, "minute": 18}
